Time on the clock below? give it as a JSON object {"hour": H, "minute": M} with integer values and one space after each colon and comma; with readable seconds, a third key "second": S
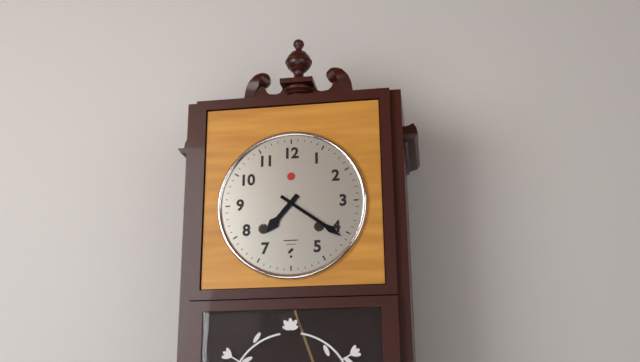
{"hour": 7, "minute": 21}
